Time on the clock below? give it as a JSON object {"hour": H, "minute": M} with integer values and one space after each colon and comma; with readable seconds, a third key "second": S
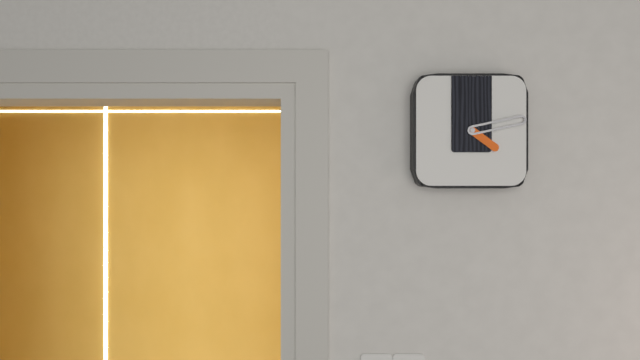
{"hour": 4, "minute": 13}
